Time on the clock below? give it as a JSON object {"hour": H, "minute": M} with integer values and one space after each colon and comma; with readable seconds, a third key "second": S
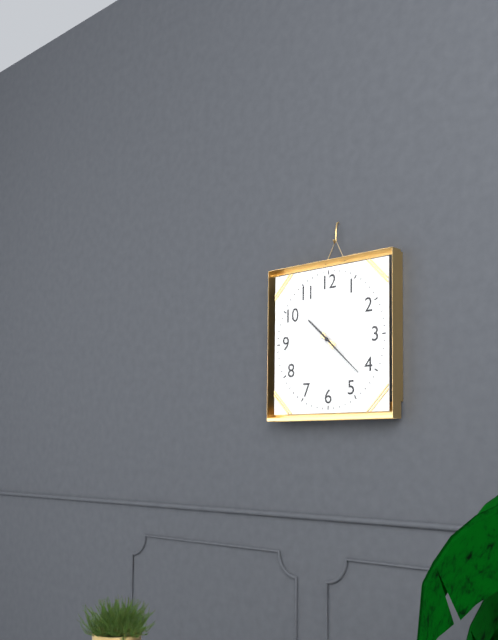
{"hour": 10, "minute": 22}
